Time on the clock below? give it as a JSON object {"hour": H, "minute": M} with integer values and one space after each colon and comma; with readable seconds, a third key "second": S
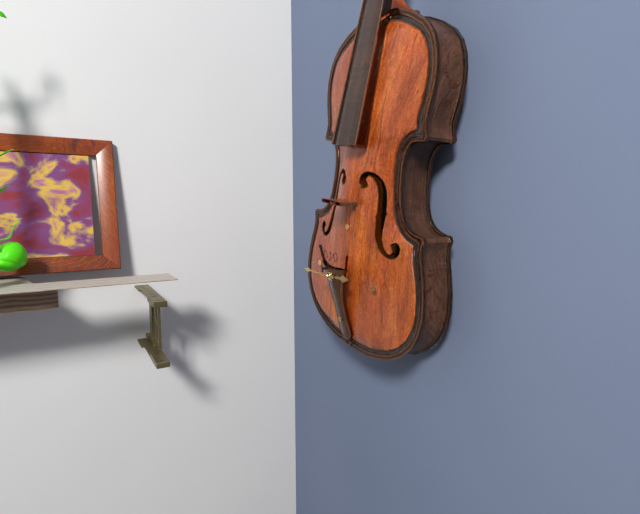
{"hour": 2, "minute": 44}
